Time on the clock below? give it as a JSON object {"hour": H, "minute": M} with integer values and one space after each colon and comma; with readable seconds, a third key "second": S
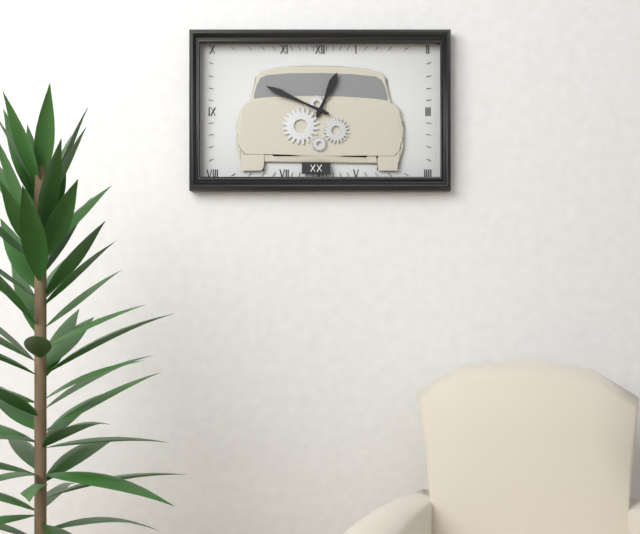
{"hour": 12, "minute": 49}
